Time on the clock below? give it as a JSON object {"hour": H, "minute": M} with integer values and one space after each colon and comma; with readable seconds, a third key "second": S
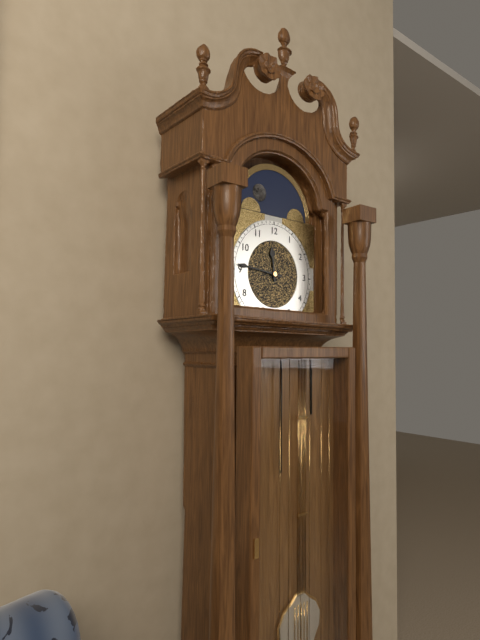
{"hour": 11, "minute": 46}
